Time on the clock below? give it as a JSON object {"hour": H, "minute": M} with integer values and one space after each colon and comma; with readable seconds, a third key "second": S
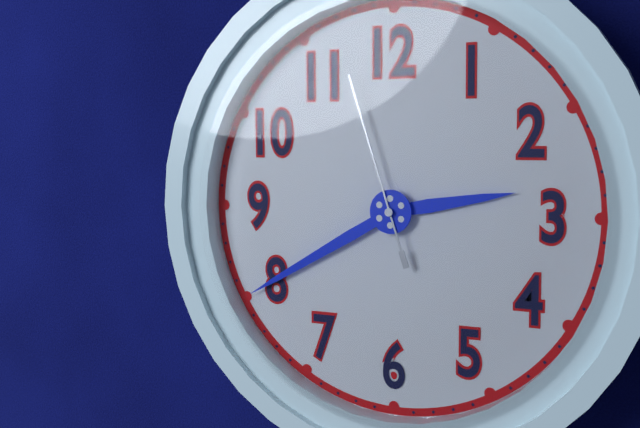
{"hour": 2, "minute": 40, "second": 57}
